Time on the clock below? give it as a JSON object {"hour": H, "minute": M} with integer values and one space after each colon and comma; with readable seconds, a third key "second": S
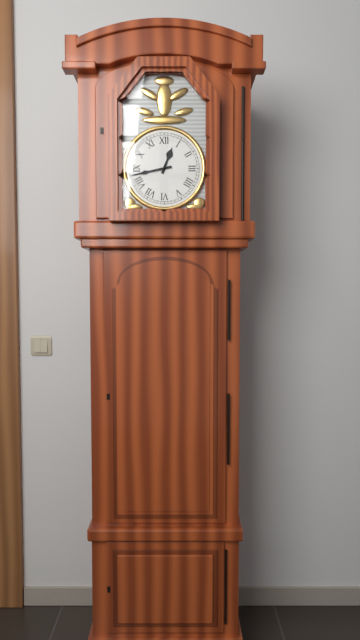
{"hour": 12, "minute": 43}
